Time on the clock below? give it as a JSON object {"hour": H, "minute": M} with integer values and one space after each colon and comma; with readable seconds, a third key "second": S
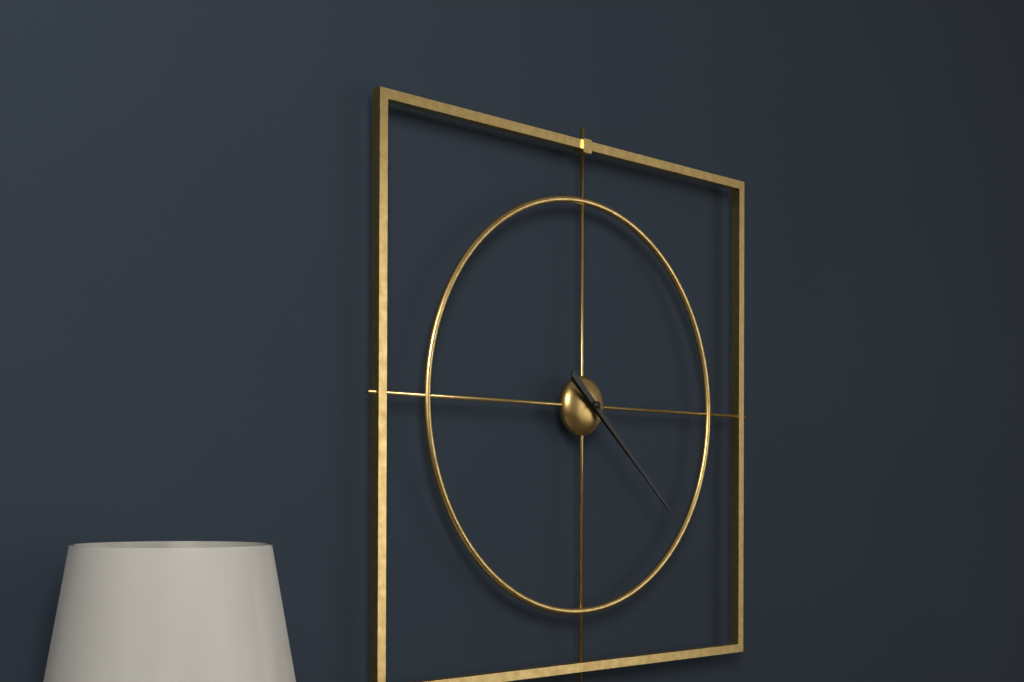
{"hour": 4, "minute": 22}
